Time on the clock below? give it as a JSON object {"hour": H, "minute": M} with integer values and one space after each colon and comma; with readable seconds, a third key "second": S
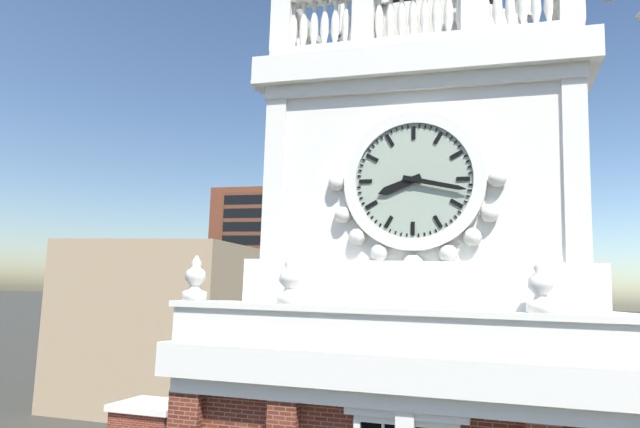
{"hour": 8, "minute": 17}
